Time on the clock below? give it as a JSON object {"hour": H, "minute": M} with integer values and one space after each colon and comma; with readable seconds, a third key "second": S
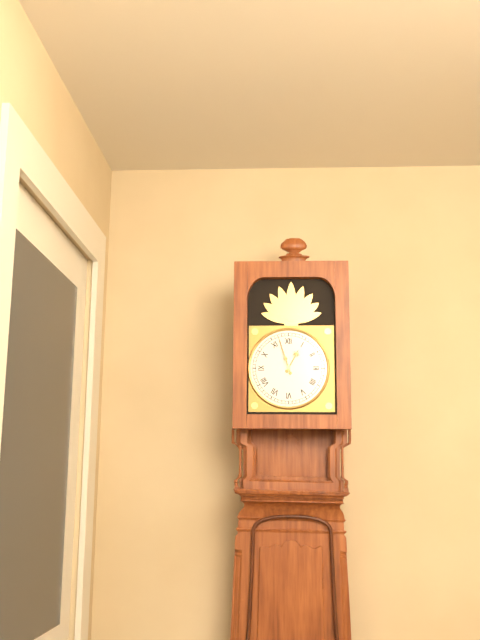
{"hour": 12, "minute": 57}
